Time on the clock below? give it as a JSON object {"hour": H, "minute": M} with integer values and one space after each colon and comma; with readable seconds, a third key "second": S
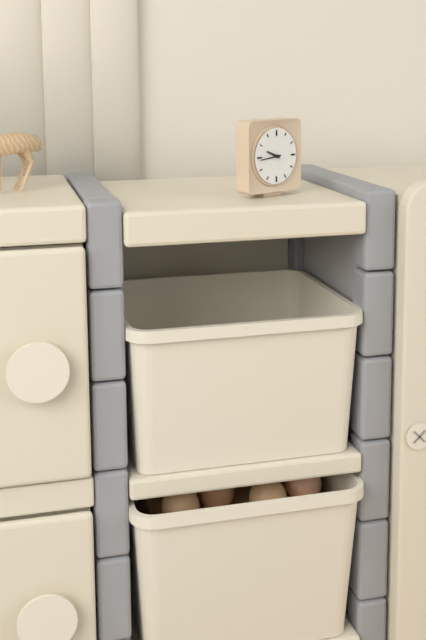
{"hour": 9, "minute": 44}
